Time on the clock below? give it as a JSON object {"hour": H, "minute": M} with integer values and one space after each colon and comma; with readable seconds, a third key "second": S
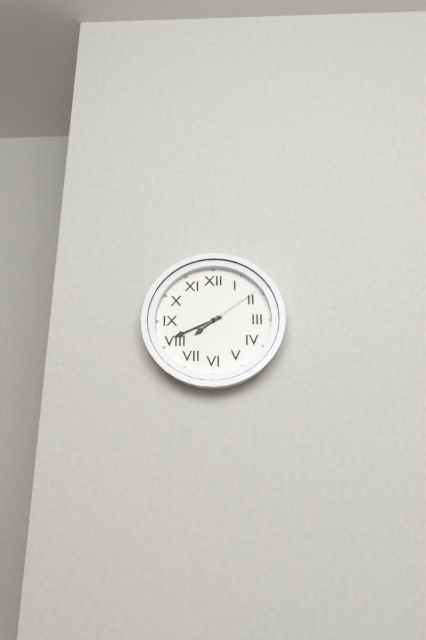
{"hour": 7, "minute": 41, "second": 9}
